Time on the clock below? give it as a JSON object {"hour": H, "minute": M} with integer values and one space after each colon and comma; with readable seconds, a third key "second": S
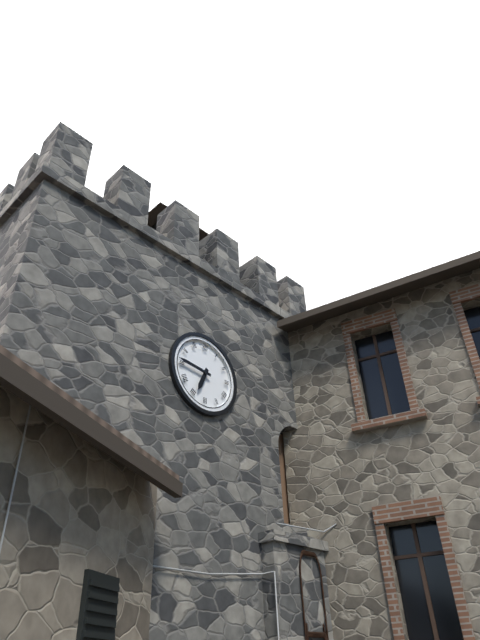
{"hour": 6, "minute": 46}
